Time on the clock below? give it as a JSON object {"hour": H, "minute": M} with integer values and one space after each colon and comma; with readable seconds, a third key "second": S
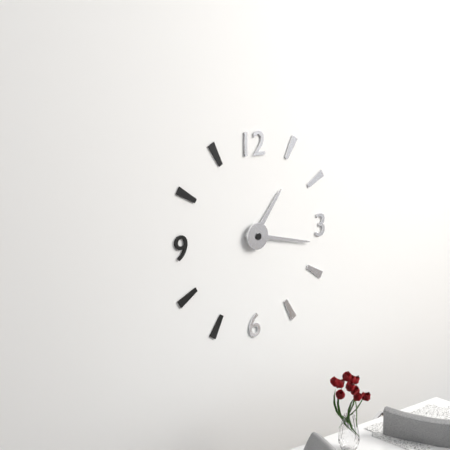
{"hour": 1, "minute": 17}
